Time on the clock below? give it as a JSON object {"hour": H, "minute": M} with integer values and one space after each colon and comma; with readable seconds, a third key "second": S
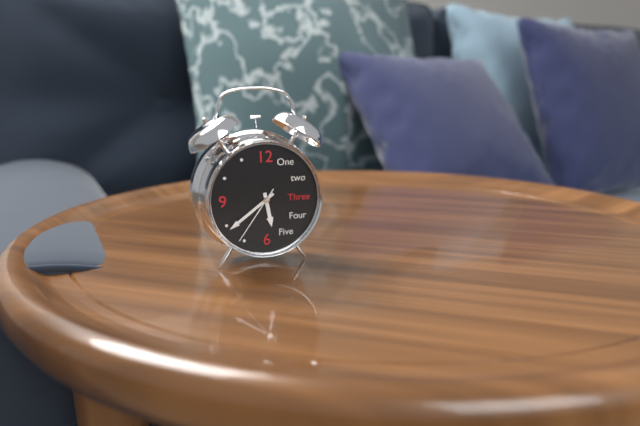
{"hour": 5, "minute": 39, "second": 36}
